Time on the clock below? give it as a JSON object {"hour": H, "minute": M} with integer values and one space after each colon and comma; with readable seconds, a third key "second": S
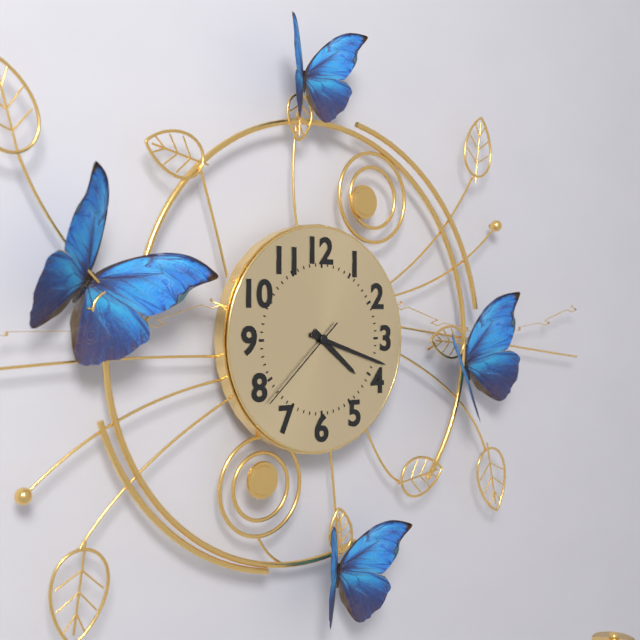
{"hour": 4, "minute": 18, "second": 38}
